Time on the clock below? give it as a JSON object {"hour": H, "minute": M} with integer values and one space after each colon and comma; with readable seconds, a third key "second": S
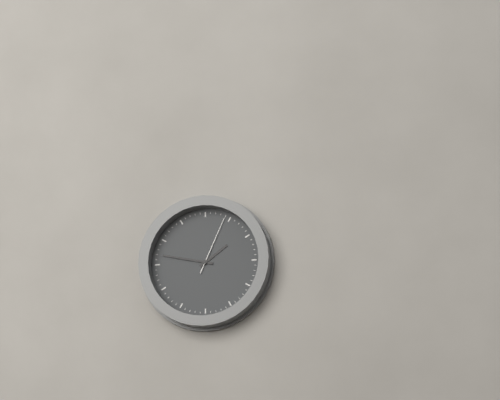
{"hour": 1, "minute": 47, "second": 4}
